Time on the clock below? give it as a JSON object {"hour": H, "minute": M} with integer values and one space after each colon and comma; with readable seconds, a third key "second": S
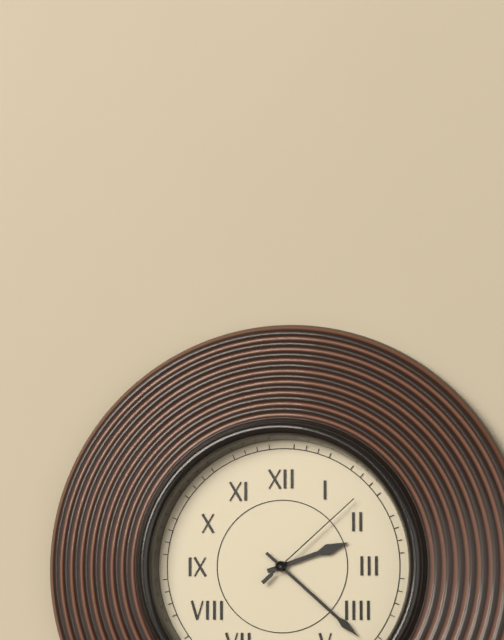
{"hour": 2, "minute": 22, "second": 8}
